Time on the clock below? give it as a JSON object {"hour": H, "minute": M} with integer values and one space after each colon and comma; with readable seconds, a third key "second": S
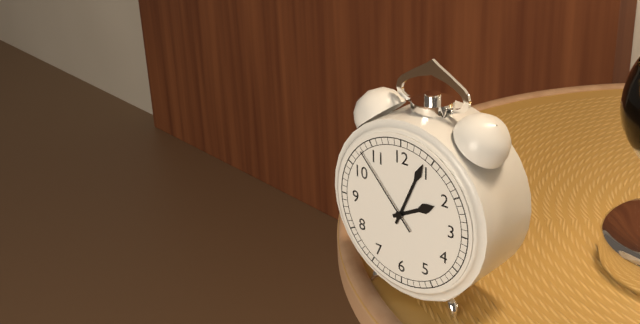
{"hour": 2, "minute": 4, "second": 53}
